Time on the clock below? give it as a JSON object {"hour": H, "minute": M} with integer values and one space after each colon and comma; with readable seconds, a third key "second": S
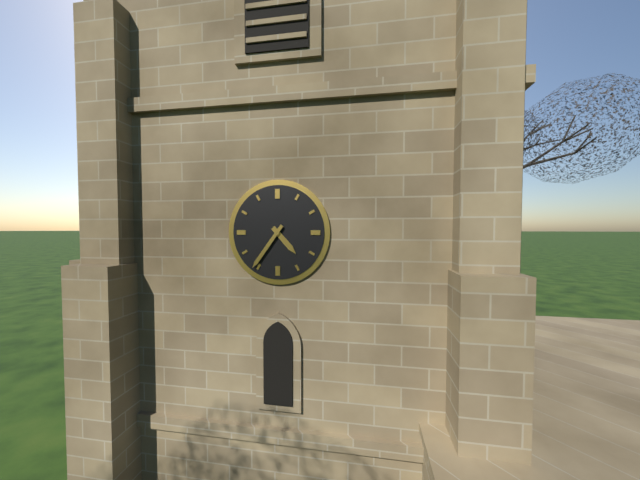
{"hour": 4, "minute": 36}
